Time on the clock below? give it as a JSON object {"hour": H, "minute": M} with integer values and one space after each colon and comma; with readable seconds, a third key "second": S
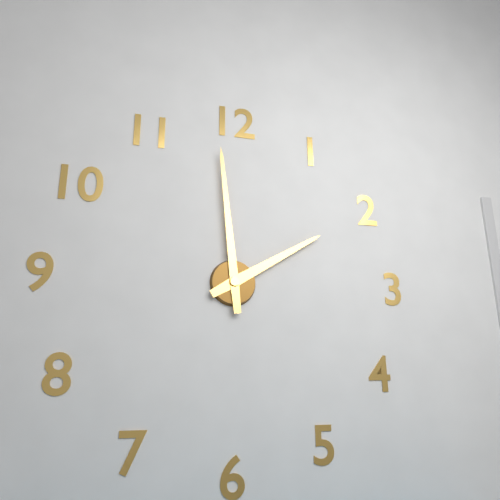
{"hour": 1, "minute": 59}
